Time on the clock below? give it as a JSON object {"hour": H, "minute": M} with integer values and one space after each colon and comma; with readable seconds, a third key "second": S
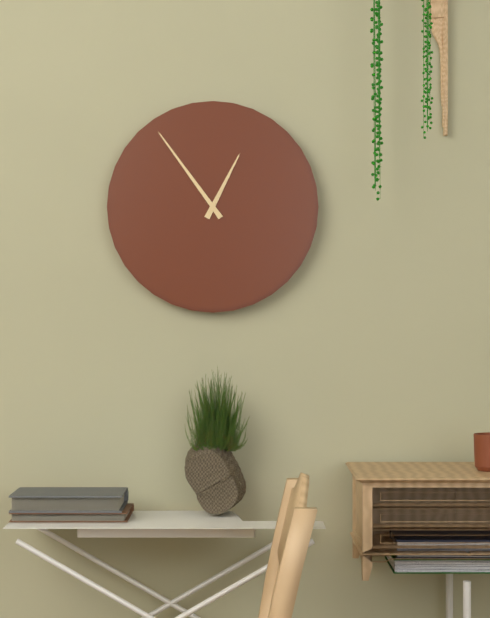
{"hour": 12, "minute": 54}
